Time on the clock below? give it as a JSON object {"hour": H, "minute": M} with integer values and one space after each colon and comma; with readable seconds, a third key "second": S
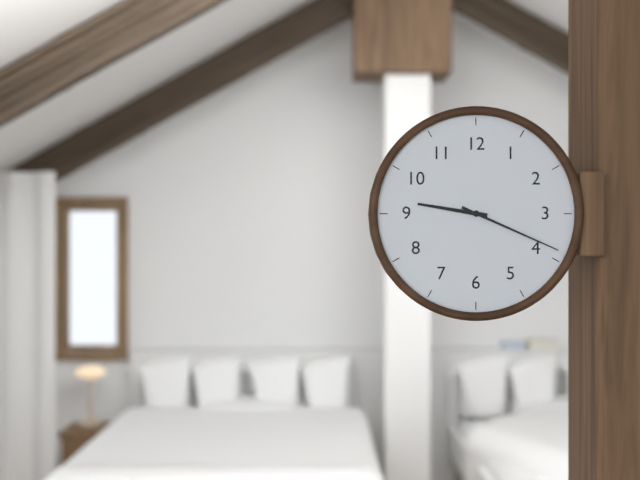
{"hour": 9, "minute": 19}
